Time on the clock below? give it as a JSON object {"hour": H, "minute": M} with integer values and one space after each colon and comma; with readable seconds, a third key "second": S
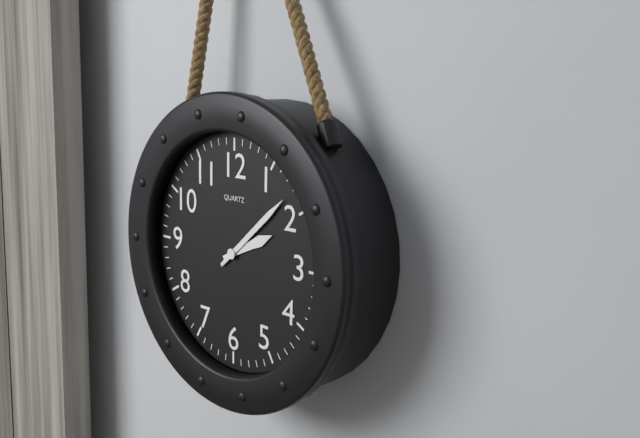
{"hour": 2, "minute": 8}
